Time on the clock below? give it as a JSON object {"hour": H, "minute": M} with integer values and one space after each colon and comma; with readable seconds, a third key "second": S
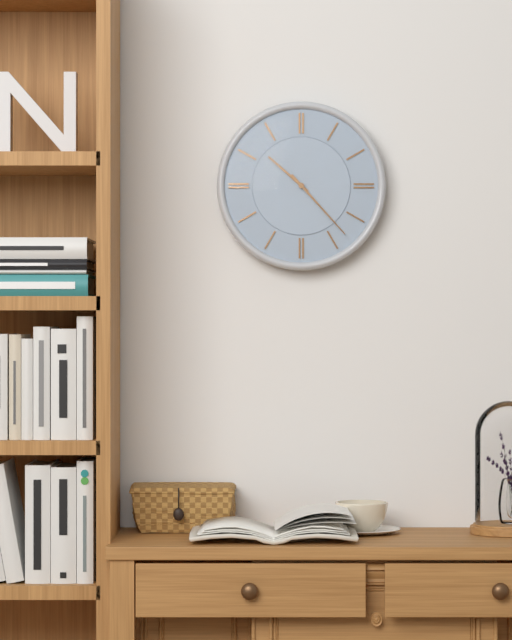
{"hour": 10, "minute": 23}
